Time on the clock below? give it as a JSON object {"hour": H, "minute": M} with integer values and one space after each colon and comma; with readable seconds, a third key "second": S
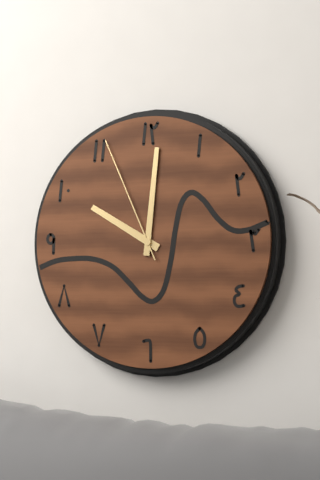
{"hour": 10, "minute": 1, "second": 56}
